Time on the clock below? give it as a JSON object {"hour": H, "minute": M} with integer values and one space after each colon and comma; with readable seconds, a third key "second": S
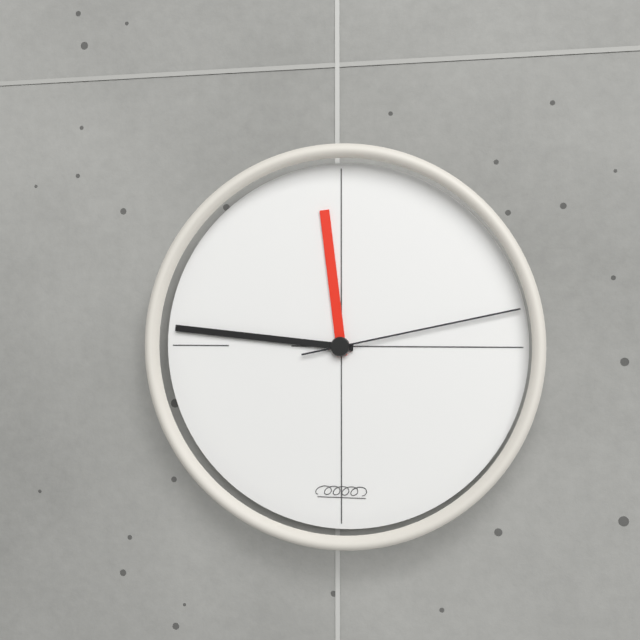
{"hour": 11, "minute": 46, "second": 13}
